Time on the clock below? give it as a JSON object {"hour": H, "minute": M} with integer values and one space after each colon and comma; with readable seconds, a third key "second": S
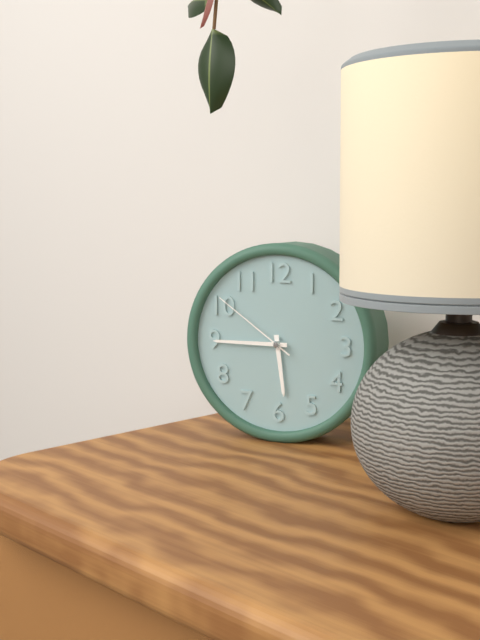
{"hour": 5, "minute": 45, "second": 51}
